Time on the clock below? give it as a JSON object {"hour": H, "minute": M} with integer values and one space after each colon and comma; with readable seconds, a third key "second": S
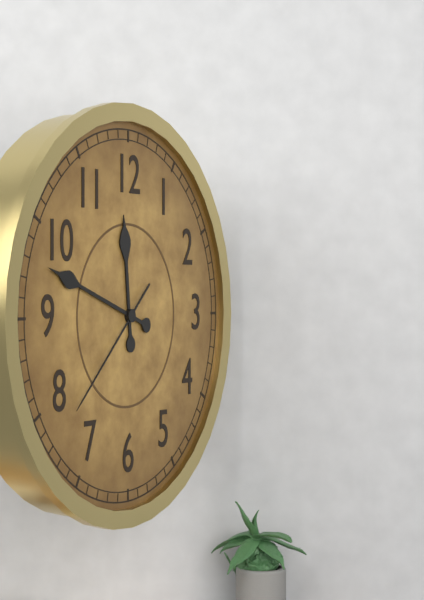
{"hour": 11, "minute": 48, "second": 38}
